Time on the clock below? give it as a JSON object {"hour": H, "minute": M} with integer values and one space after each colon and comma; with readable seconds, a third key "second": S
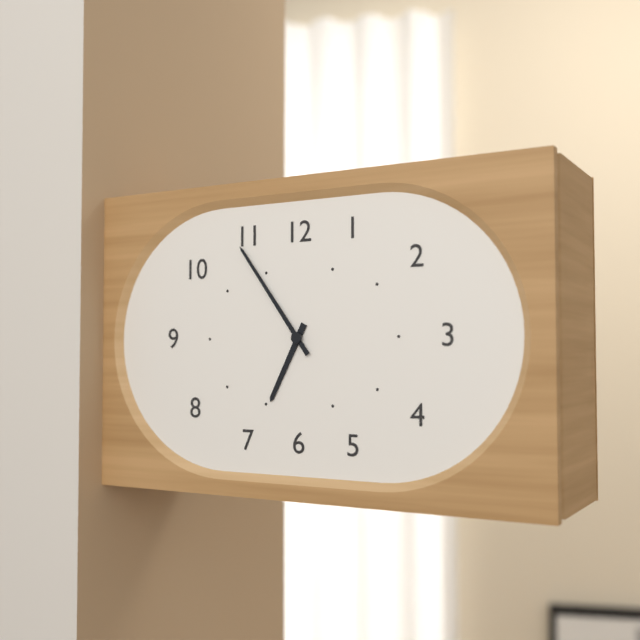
{"hour": 6, "minute": 54}
